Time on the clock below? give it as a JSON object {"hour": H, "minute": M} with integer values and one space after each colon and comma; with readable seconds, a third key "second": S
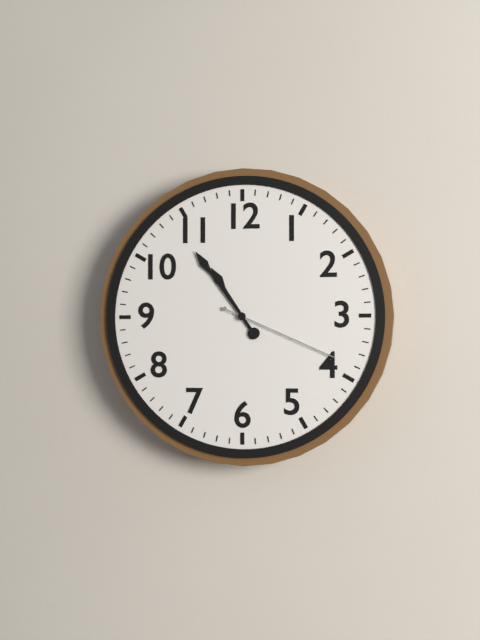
{"hour": 10, "minute": 54, "second": 19}
